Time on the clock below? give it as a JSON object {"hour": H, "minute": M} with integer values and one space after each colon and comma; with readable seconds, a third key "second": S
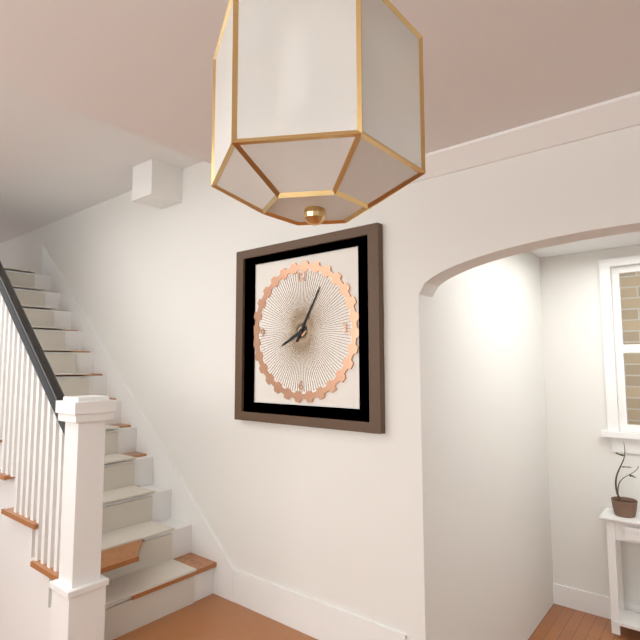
{"hour": 8, "minute": 5}
